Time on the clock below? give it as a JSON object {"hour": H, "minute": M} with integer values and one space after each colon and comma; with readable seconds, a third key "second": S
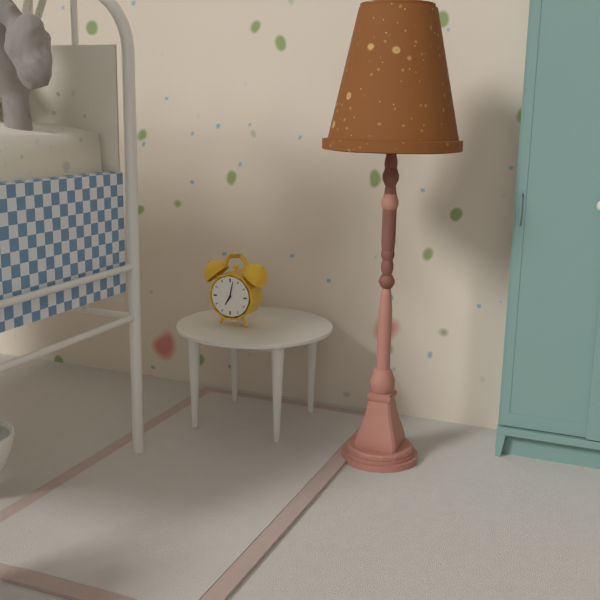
{"hour": 7, "minute": 2}
